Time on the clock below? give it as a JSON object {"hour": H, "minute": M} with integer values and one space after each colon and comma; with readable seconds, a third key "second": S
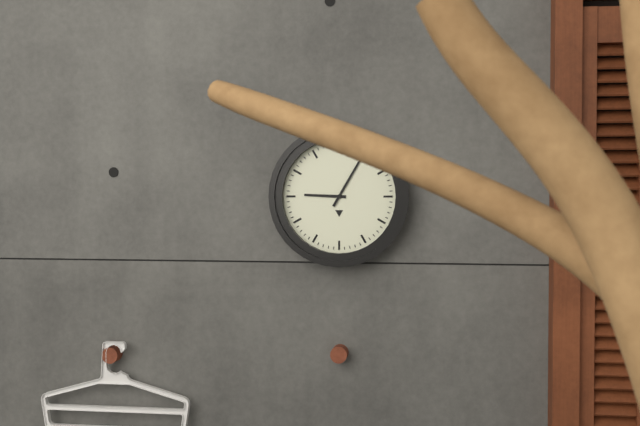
{"hour": 9, "minute": 5}
